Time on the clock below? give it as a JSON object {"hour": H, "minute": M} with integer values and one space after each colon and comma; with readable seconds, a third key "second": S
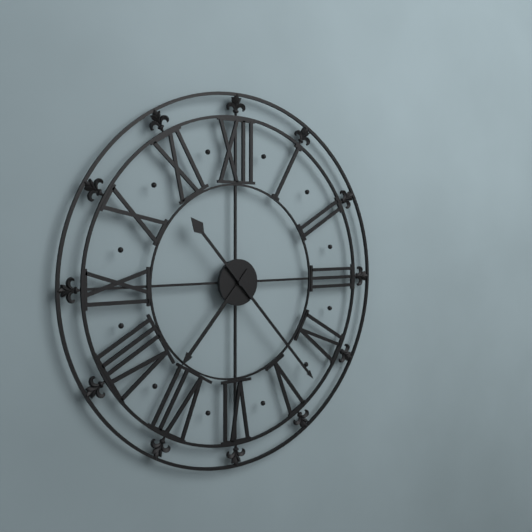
{"hour": 7, "minute": 23}
